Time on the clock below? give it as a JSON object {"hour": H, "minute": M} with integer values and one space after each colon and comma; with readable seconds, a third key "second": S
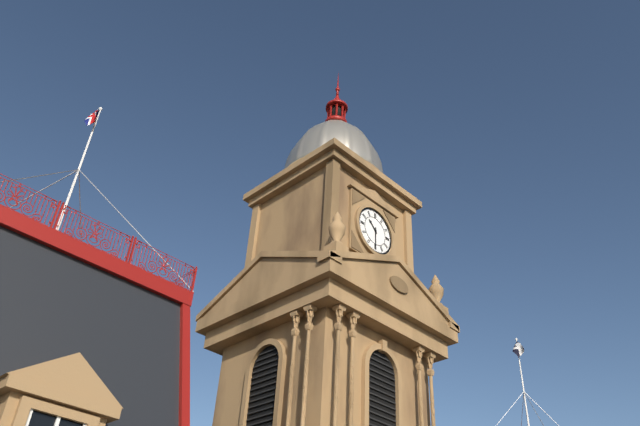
{"hour": 10, "minute": 30}
